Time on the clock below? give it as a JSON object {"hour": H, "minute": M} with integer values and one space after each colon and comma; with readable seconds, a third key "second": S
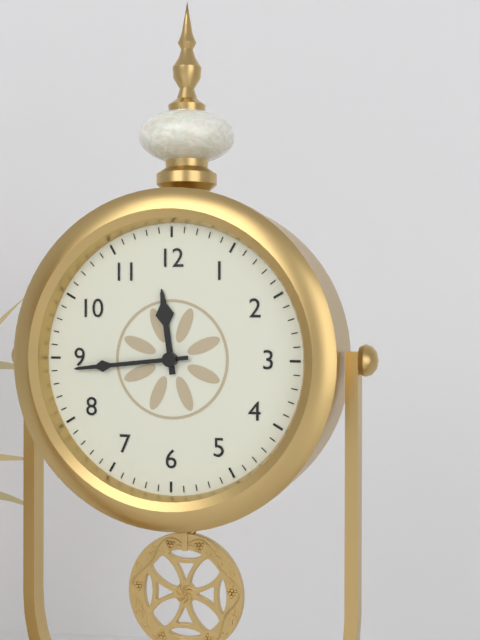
{"hour": 11, "minute": 44}
